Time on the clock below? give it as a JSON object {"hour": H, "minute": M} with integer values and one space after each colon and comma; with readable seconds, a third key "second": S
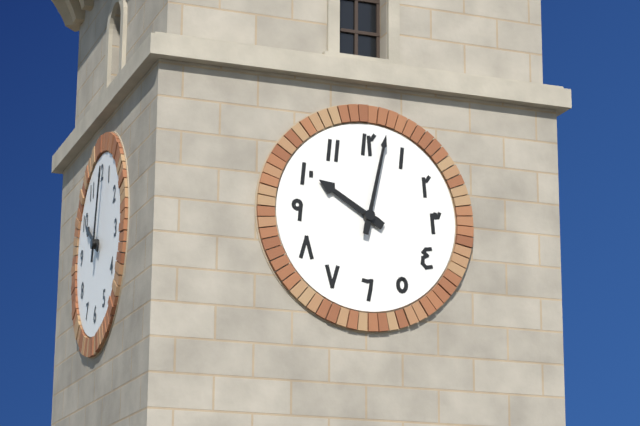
{"hour": 10, "minute": 2}
